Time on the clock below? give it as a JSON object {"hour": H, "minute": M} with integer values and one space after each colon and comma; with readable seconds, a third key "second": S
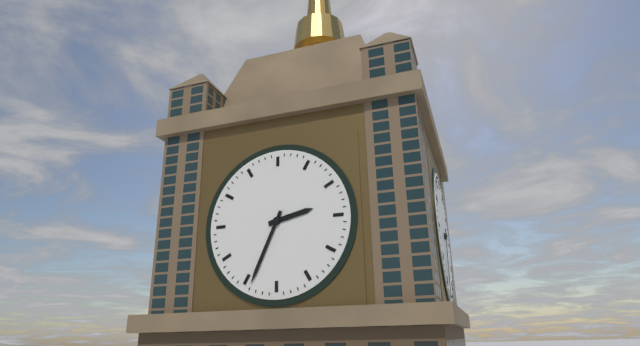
{"hour": 2, "minute": 34}
